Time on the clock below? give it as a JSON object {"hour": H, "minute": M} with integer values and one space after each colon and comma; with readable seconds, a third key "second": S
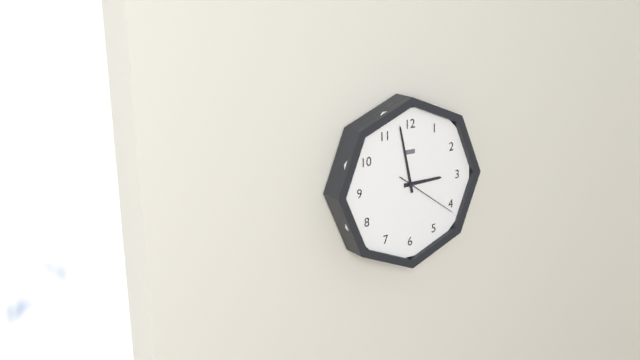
{"hour": 2, "minute": 58, "second": 21}
